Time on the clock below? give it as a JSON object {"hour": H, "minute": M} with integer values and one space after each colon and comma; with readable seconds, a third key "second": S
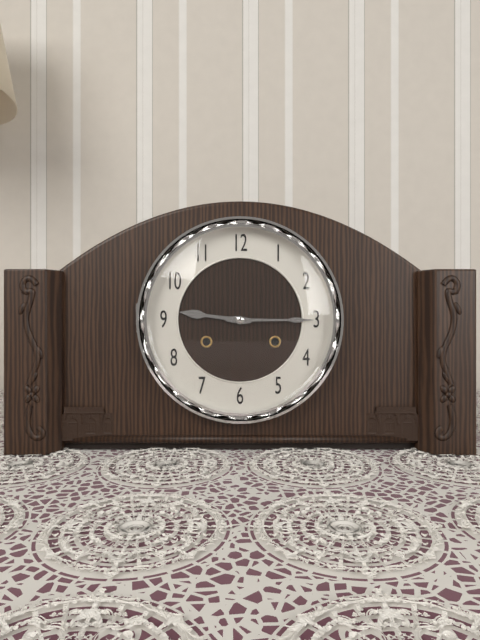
{"hour": 9, "minute": 15}
